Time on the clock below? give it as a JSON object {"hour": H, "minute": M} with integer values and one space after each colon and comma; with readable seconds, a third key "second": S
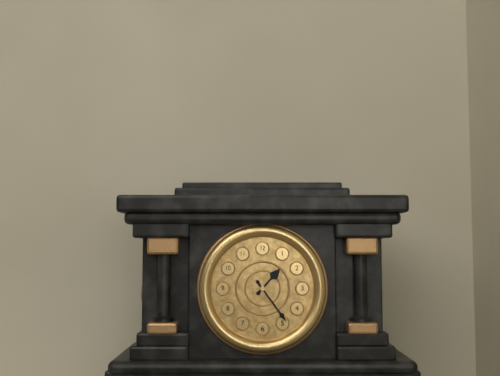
{"hour": 1, "minute": 24}
